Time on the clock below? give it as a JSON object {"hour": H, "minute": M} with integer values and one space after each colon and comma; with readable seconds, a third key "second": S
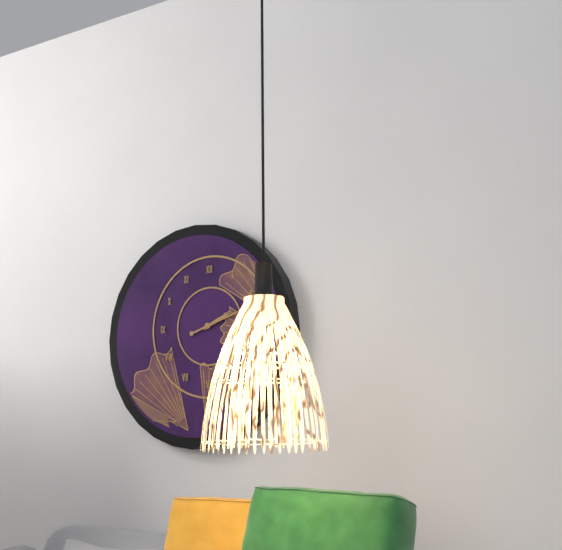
{"hour": 2, "minute": 12}
